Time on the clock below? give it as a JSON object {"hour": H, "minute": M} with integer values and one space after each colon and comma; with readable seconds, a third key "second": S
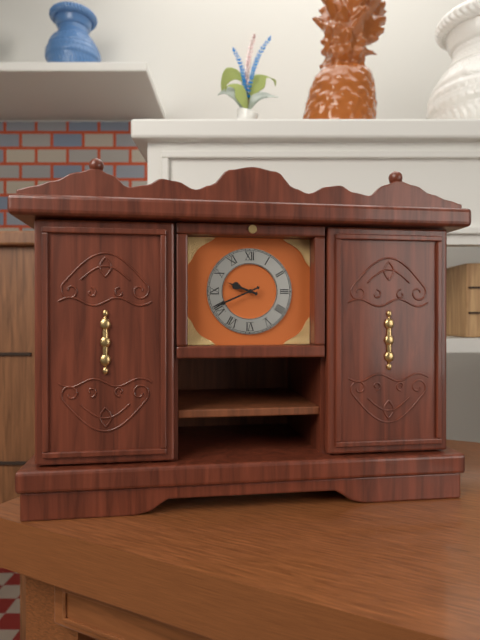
{"hour": 9, "minute": 41}
